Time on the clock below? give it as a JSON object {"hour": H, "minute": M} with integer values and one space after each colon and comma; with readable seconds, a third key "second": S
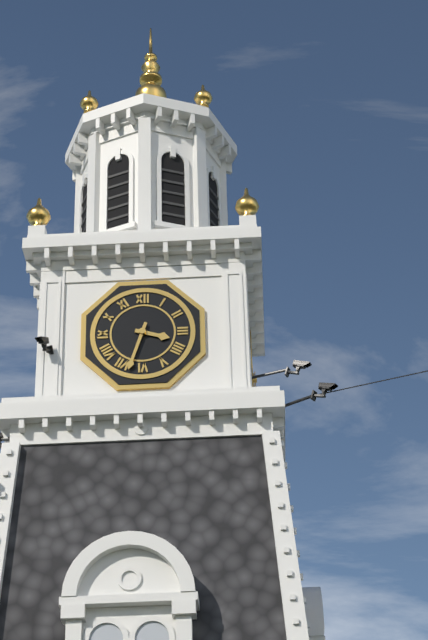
{"hour": 3, "minute": 33}
